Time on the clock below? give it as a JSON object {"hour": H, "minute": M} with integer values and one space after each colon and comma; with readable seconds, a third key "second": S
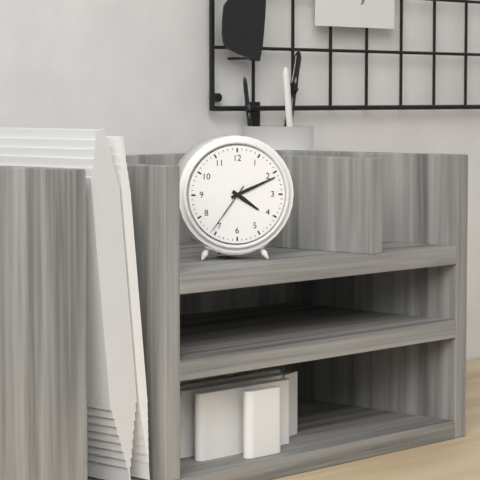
{"hour": 4, "minute": 11, "second": 36}
